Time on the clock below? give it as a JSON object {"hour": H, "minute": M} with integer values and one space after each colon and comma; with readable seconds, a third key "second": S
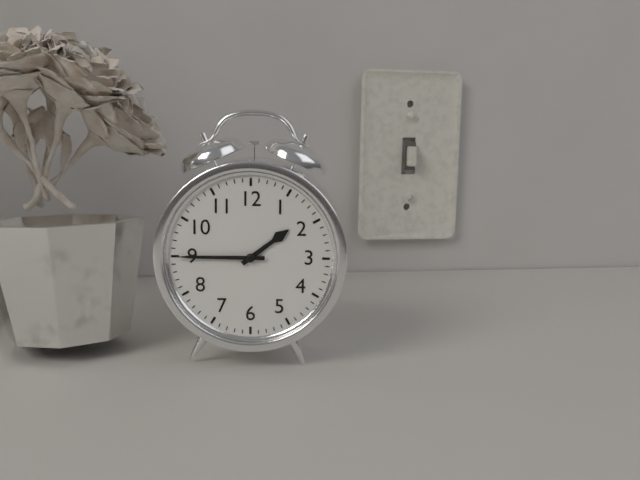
{"hour": 1, "minute": 45}
